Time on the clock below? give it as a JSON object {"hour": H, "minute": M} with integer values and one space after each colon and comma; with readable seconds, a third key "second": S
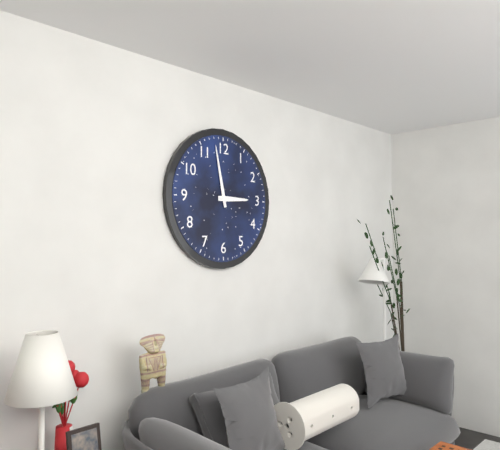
{"hour": 2, "minute": 58}
